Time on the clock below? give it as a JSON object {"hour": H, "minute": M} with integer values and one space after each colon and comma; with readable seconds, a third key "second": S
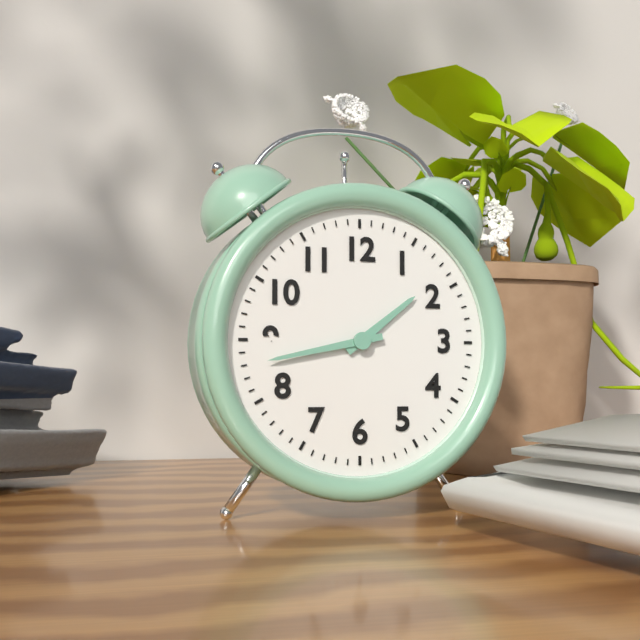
{"hour": 1, "minute": 43}
